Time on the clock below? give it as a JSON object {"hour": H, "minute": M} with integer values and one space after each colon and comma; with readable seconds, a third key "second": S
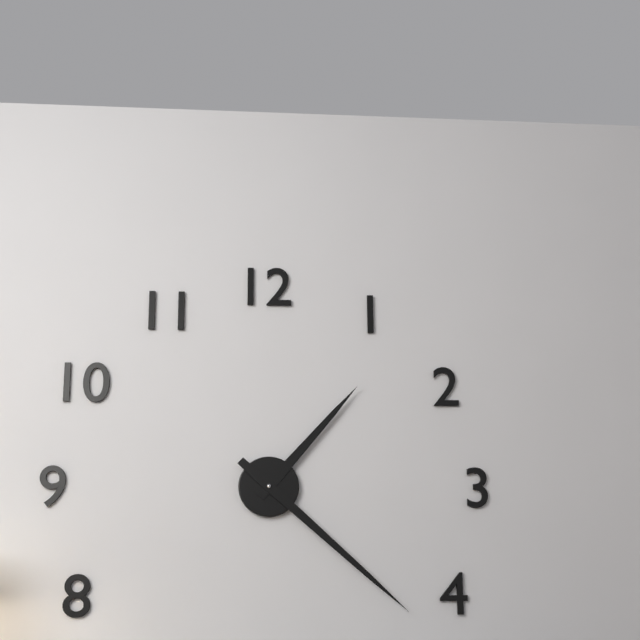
{"hour": 1, "minute": 22}
